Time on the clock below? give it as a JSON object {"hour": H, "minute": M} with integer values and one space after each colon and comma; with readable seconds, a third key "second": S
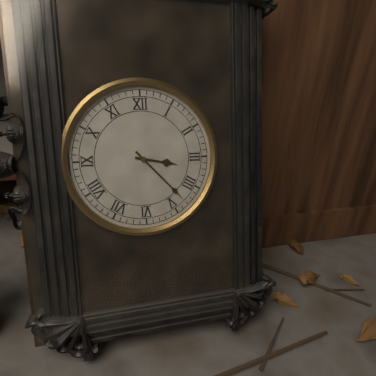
{"hour": 3, "minute": 23}
